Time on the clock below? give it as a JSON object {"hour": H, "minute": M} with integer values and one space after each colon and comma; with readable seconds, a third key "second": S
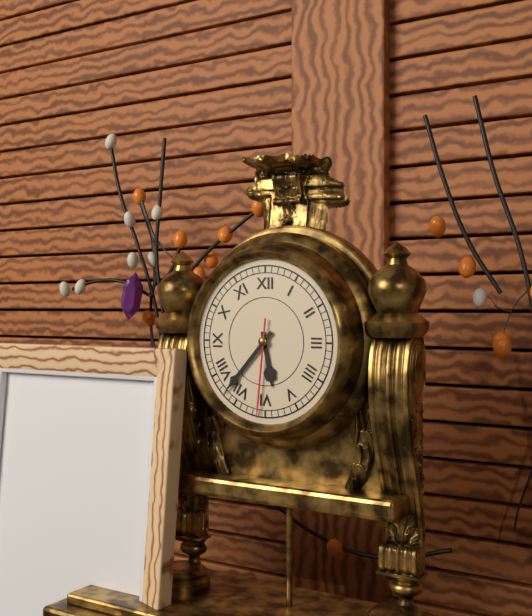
{"hour": 5, "minute": 37, "second": 31}
